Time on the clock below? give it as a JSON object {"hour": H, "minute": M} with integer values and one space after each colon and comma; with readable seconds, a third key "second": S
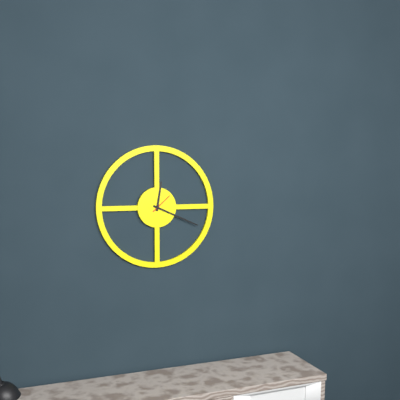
{"hour": 12, "minute": 19}
